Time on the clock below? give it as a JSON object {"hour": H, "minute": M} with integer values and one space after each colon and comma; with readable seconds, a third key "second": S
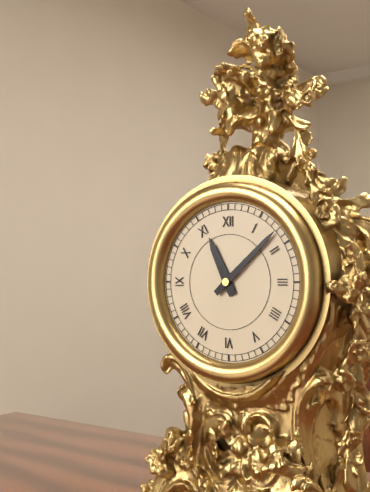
{"hour": 11, "minute": 8}
